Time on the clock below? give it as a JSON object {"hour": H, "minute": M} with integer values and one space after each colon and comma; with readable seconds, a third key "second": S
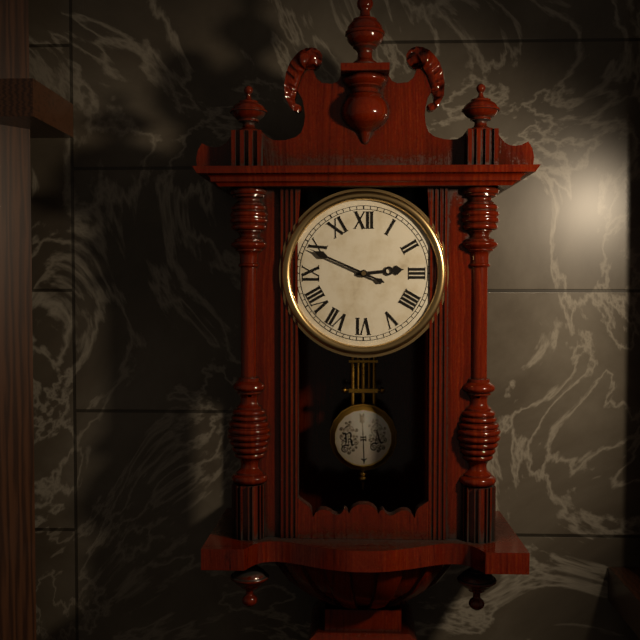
{"hour": 2, "minute": 49}
